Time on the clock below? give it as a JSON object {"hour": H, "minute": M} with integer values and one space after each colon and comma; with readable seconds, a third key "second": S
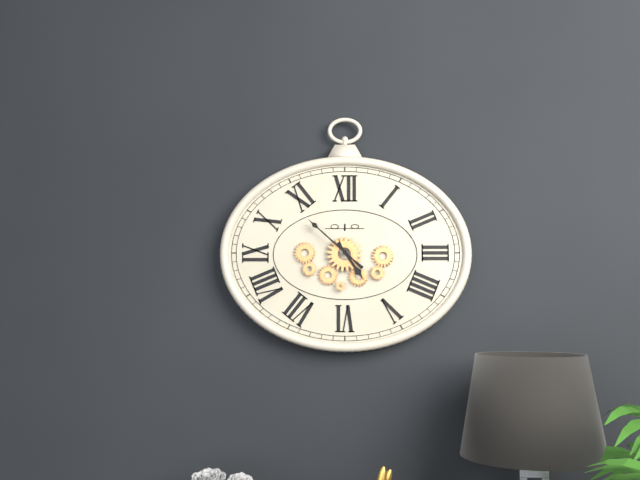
{"hour": 4, "minute": 52}
